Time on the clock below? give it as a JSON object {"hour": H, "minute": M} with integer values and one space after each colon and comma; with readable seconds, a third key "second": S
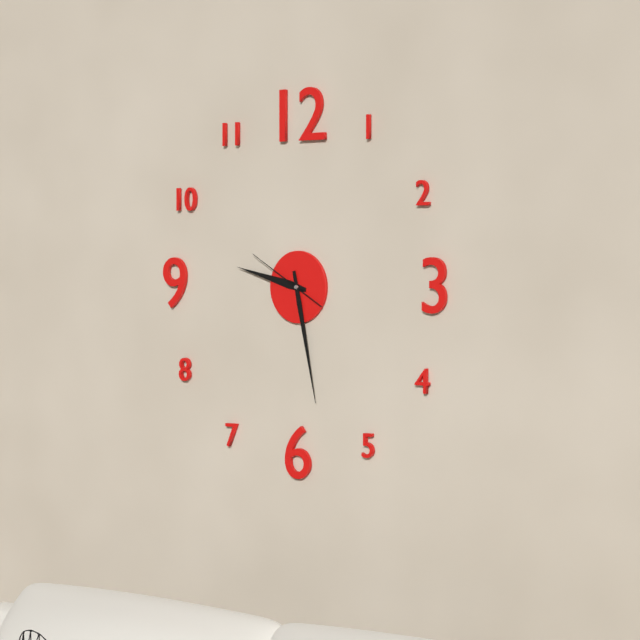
{"hour": 9, "minute": 28, "second": 50}
